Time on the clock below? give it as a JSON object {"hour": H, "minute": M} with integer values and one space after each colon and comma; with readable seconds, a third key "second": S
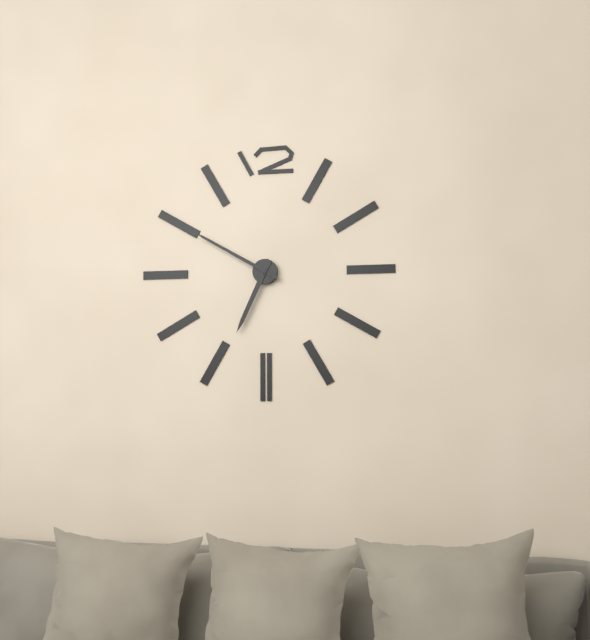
{"hour": 6, "minute": 50}
